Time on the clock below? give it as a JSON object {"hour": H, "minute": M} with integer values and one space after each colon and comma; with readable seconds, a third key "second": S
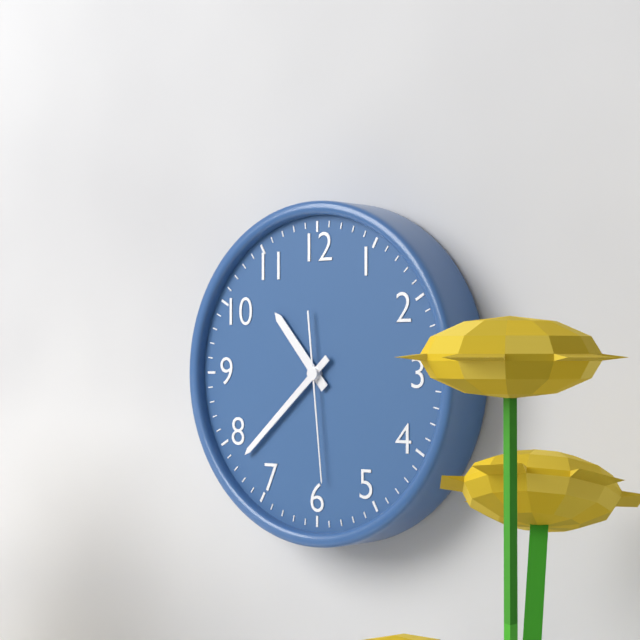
{"hour": 10, "minute": 38, "second": 29}
